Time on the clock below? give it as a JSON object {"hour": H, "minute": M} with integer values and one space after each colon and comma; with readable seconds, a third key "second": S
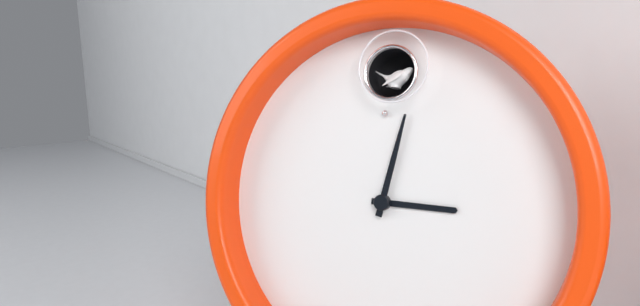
{"hour": 3, "minute": 2}
